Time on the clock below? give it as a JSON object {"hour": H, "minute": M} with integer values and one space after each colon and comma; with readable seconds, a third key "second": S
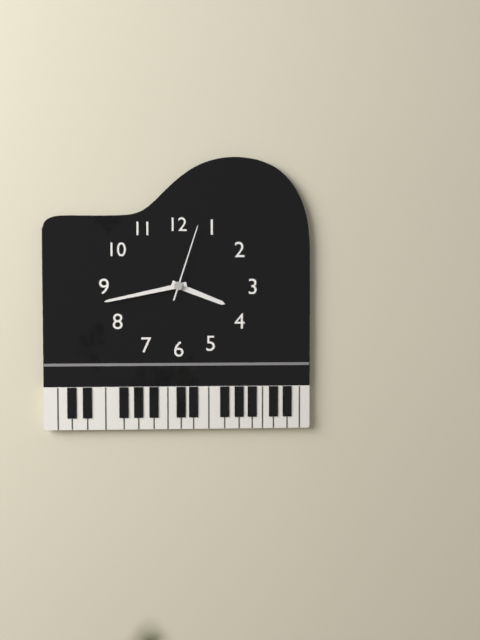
{"hour": 3, "minute": 43, "second": 3}
